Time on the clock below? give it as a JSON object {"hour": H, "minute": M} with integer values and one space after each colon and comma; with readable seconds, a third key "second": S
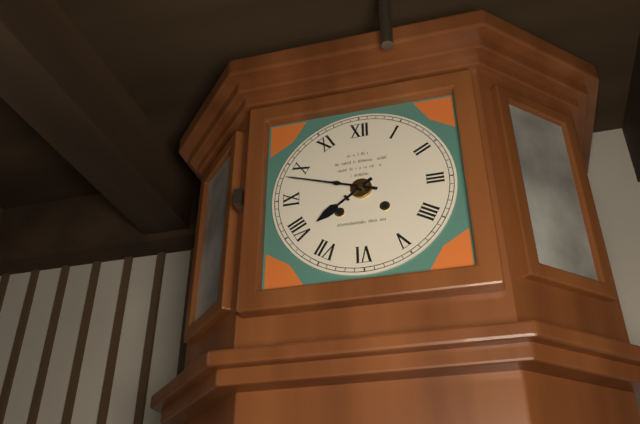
{"hour": 7, "minute": 48}
